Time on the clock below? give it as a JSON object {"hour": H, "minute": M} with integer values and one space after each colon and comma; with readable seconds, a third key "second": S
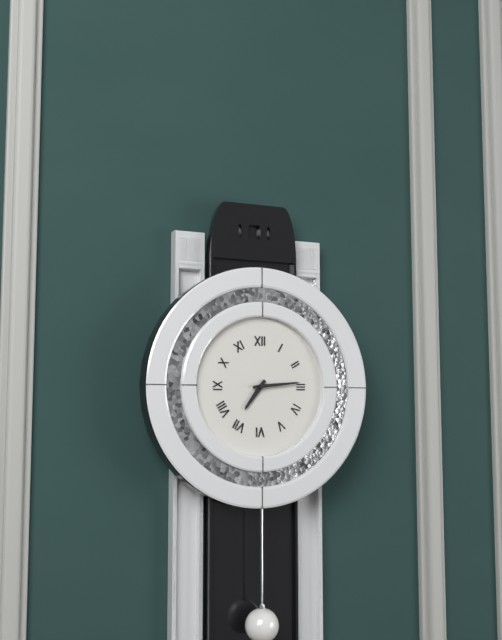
{"hour": 7, "minute": 14}
